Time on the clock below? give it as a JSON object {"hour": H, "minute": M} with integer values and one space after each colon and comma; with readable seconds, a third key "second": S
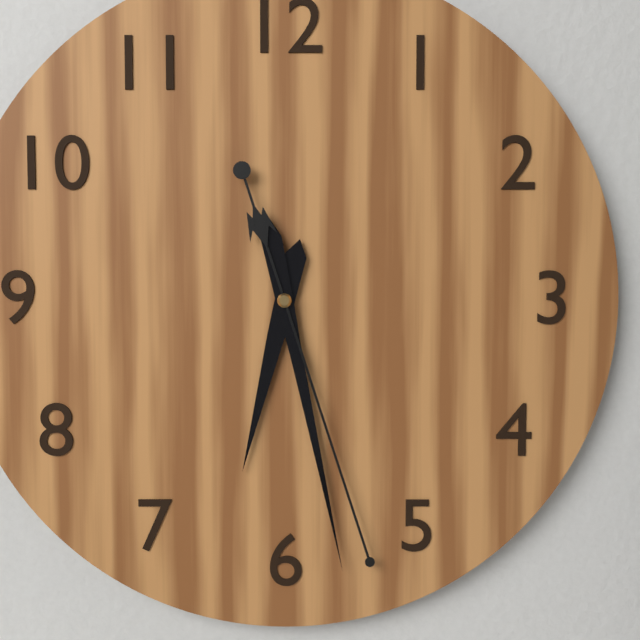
{"hour": 6, "minute": 28, "second": 27}
